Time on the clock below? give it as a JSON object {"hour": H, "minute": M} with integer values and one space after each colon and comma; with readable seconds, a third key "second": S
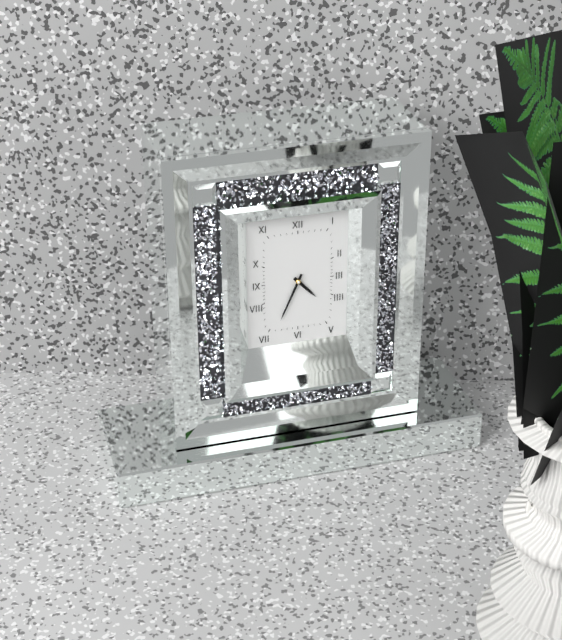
{"hour": 4, "minute": 34}
